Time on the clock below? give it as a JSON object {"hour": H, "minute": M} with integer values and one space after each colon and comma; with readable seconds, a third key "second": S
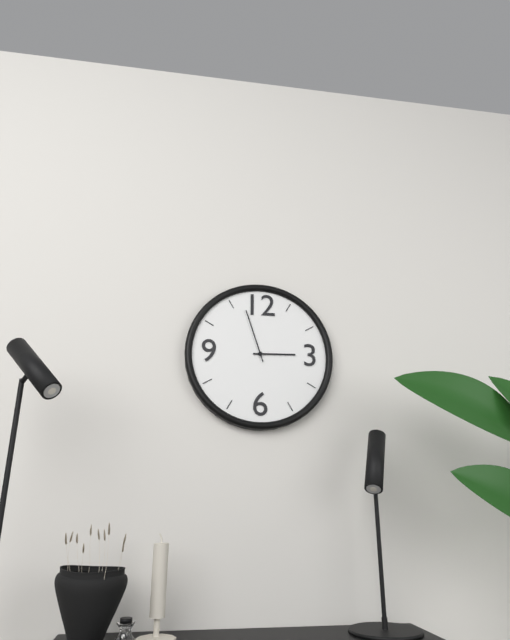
{"hour": 2, "minute": 57}
